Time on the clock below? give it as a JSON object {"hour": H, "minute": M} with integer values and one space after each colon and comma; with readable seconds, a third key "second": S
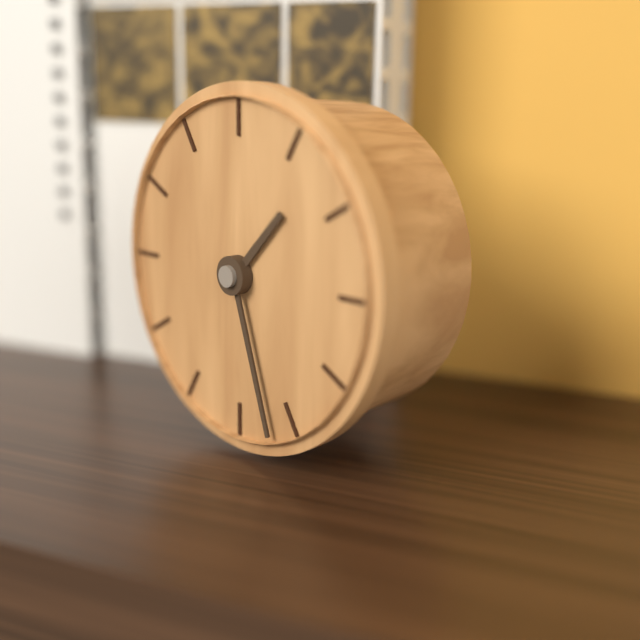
{"hour": 1, "minute": 27}
